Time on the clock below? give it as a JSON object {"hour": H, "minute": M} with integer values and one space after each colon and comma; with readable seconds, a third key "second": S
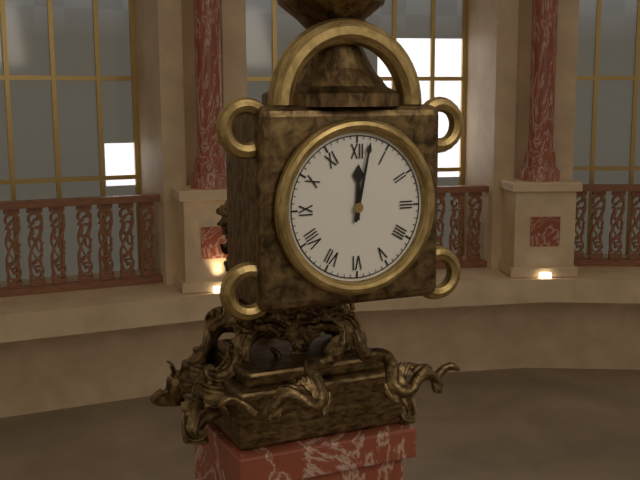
{"hour": 12, "minute": 2}
